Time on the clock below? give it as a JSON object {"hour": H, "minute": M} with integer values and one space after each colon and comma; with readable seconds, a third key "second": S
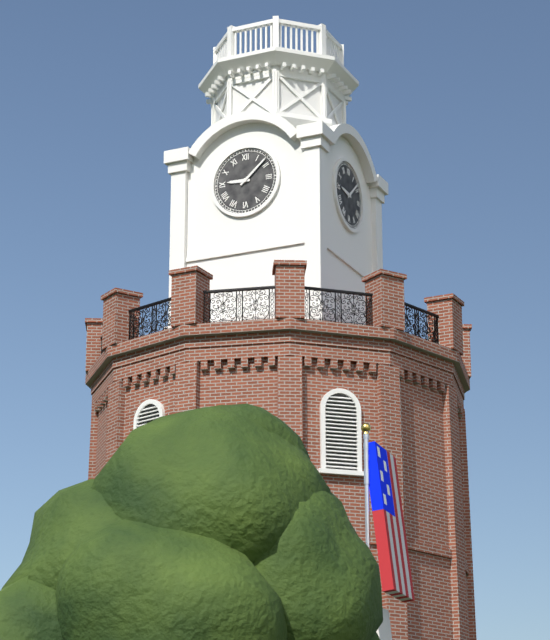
{"hour": 9, "minute": 8}
